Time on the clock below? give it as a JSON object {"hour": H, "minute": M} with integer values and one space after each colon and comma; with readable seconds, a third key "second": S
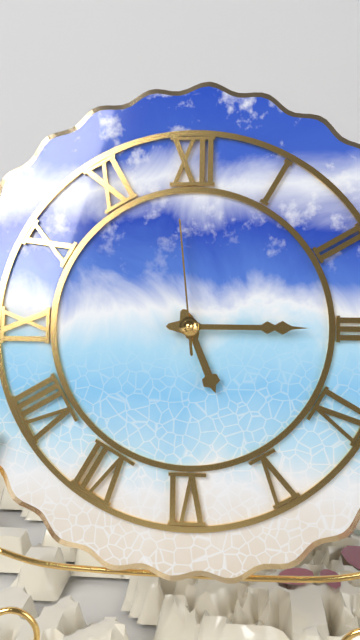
{"hour": 5, "minute": 15, "second": 59}
